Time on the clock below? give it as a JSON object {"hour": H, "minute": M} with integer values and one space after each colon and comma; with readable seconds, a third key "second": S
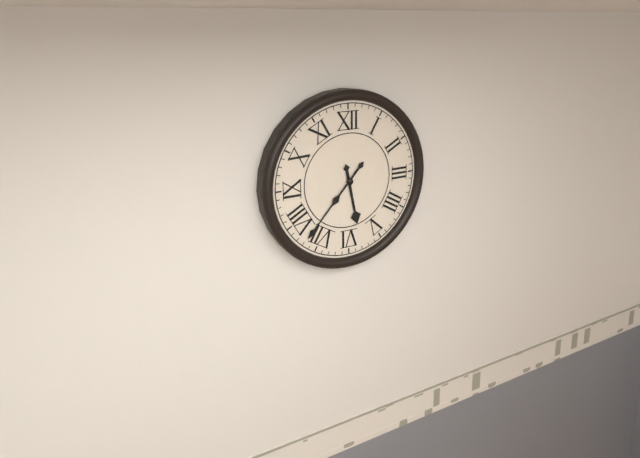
{"hour": 5, "minute": 37}
